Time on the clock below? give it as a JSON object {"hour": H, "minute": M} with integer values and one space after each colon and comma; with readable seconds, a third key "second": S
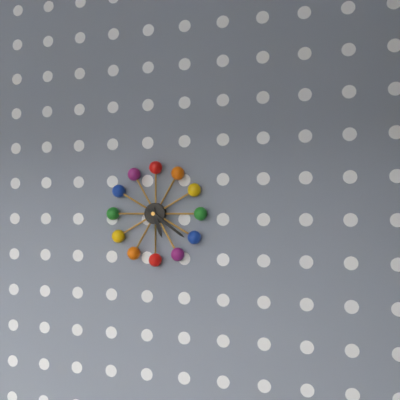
{"hour": 5, "minute": 21}
